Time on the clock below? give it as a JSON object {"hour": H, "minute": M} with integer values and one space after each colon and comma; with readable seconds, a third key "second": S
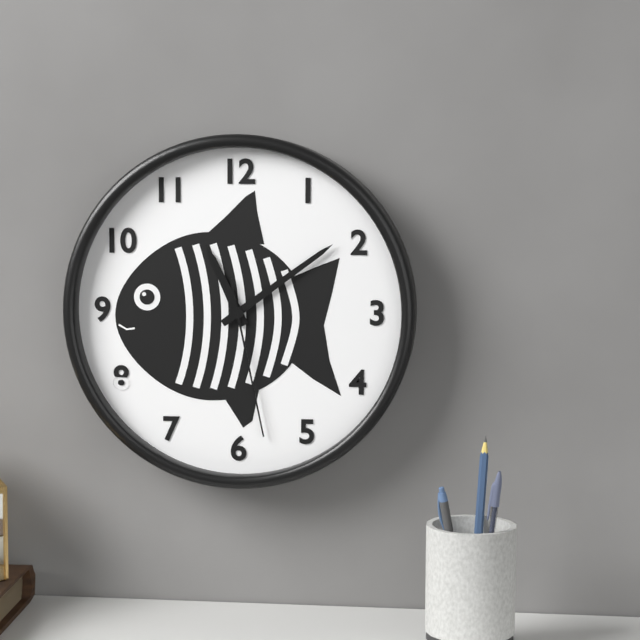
{"hour": 11, "minute": 9, "second": 28}
